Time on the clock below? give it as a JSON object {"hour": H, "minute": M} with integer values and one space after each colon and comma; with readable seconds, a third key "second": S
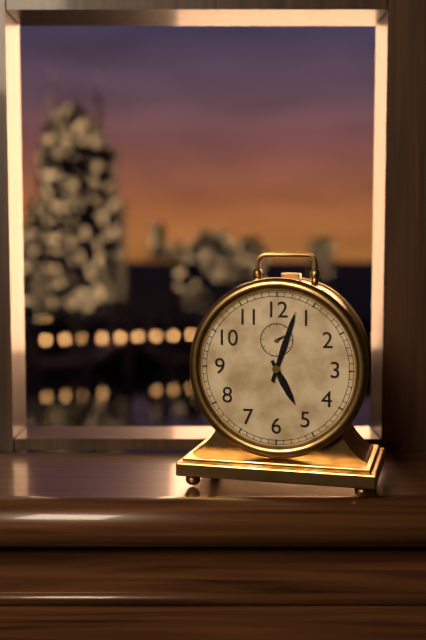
{"hour": 5, "minute": 3}
